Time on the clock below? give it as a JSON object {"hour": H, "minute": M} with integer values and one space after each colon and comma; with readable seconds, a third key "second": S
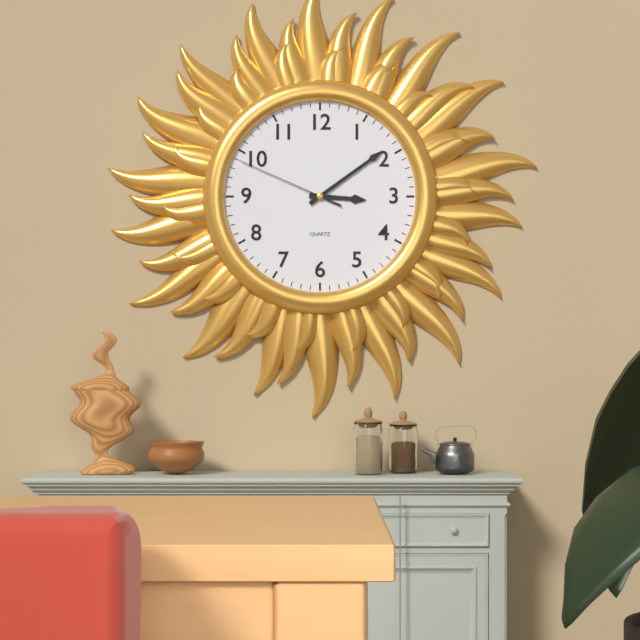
{"hour": 3, "minute": 9, "second": 49}
